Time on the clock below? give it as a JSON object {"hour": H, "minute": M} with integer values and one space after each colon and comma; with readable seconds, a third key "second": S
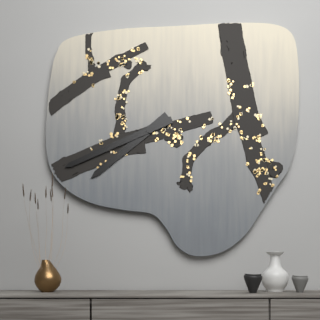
{"hour": 7, "minute": 41}
